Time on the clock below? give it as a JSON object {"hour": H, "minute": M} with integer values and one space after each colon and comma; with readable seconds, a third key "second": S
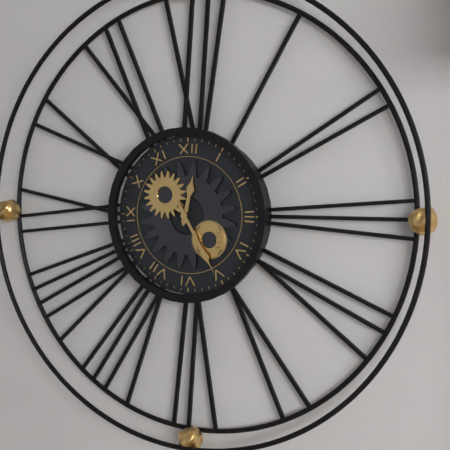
{"hour": 12, "minute": 25}
